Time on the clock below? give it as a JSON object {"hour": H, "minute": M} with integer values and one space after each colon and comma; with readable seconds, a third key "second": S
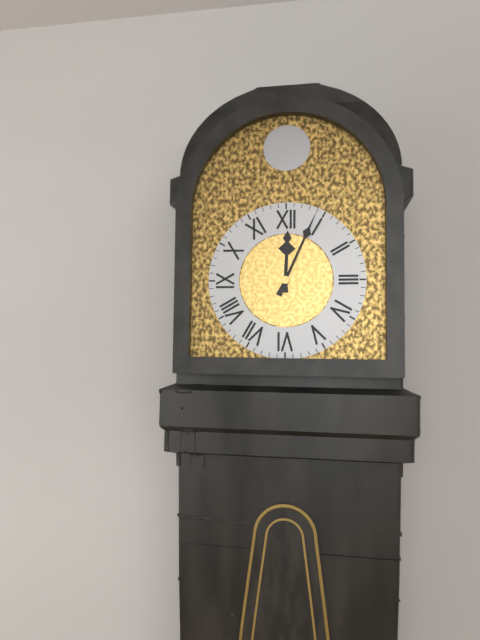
{"hour": 12, "minute": 4}
